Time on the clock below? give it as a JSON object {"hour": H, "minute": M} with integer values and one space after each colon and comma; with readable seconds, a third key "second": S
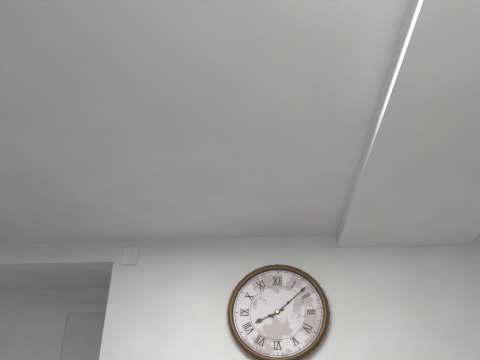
{"hour": 8, "minute": 8}
